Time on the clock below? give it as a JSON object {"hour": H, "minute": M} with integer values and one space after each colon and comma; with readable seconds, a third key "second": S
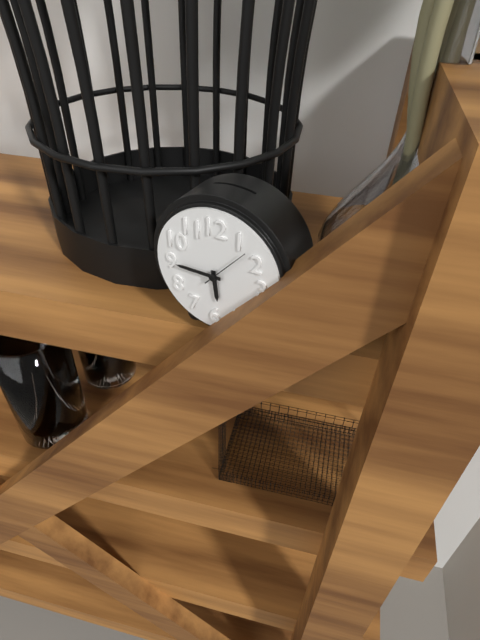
{"hour": 5, "minute": 45}
